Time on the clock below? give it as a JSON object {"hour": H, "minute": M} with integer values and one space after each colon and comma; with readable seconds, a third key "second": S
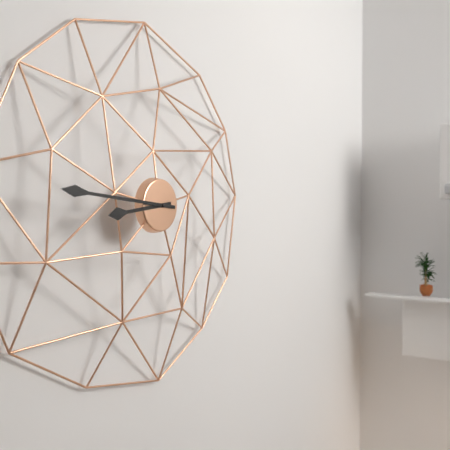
{"hour": 8, "minute": 46}
